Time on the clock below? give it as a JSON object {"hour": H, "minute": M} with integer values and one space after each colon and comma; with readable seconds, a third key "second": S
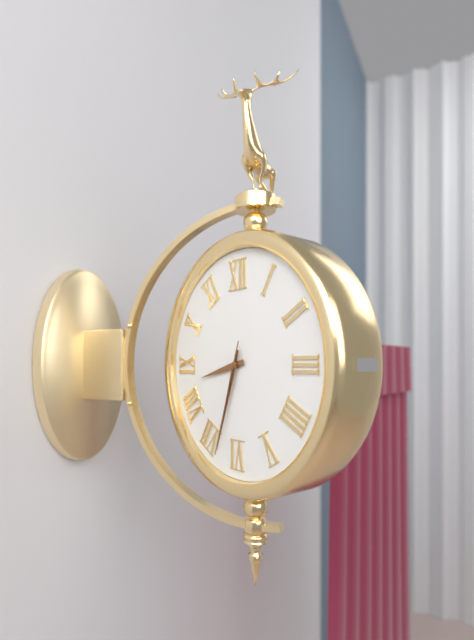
{"hour": 8, "minute": 33, "second": 33}
